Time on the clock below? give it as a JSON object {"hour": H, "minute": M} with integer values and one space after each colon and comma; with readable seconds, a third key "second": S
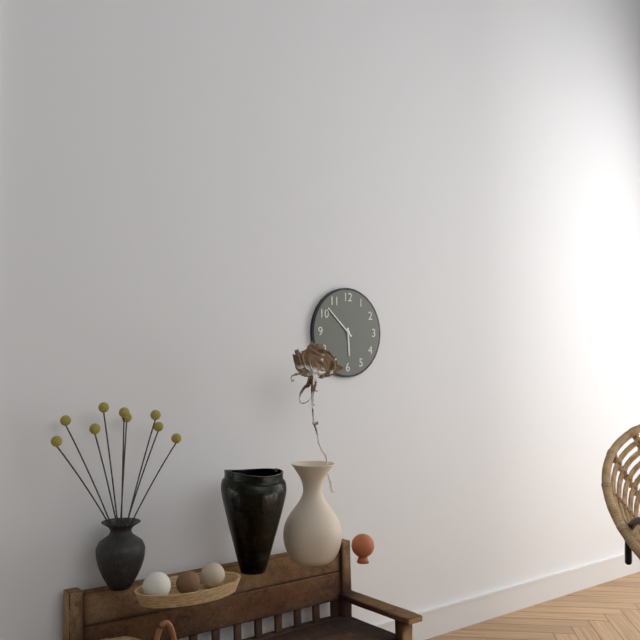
{"hour": 5, "minute": 52}
